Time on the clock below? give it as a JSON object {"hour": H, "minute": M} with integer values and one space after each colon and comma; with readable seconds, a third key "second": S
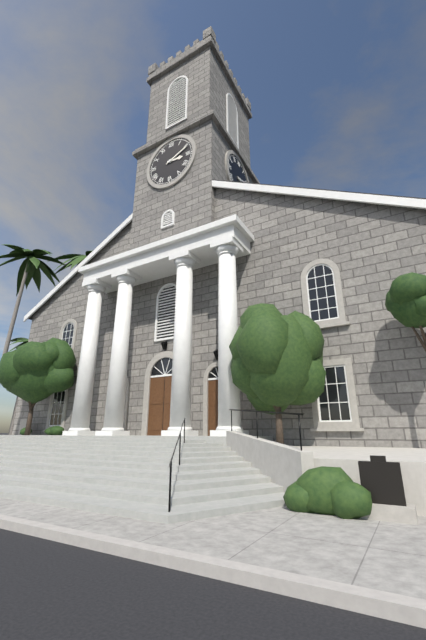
{"hour": 3, "minute": 11}
